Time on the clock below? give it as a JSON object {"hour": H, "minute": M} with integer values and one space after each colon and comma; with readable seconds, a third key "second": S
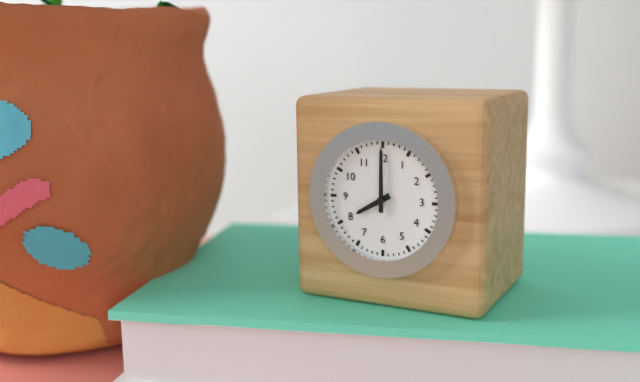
{"hour": 8, "minute": 0}
